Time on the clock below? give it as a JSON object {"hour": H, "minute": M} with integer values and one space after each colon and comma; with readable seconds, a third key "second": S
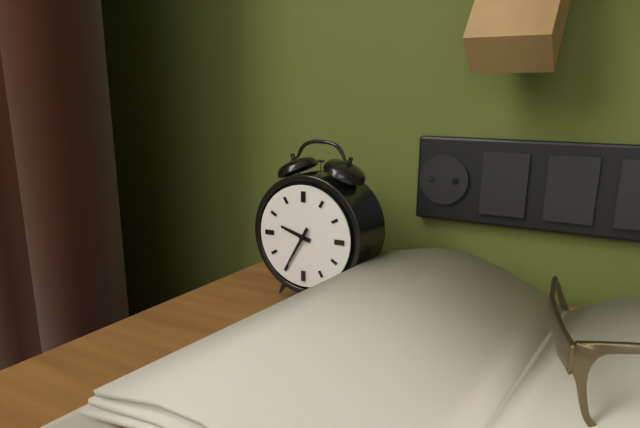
{"hour": 9, "minute": 35}
